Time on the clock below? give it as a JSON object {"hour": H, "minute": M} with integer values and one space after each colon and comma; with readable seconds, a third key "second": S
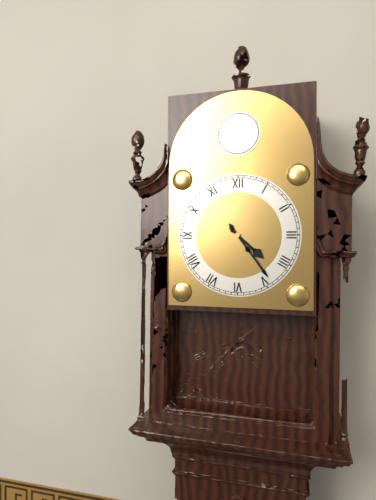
{"hour": 4, "minute": 24}
